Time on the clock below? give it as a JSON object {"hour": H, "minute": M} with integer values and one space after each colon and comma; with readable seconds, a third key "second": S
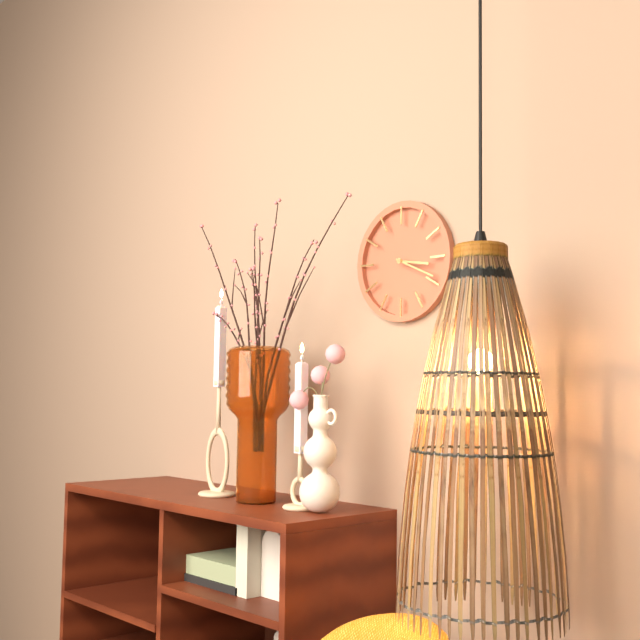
{"hour": 3, "minute": 19}
